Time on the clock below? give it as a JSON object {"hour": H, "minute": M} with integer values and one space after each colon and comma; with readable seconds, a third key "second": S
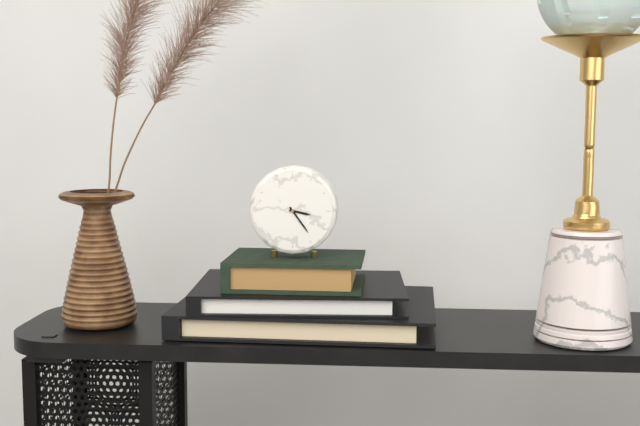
{"hour": 3, "minute": 24}
